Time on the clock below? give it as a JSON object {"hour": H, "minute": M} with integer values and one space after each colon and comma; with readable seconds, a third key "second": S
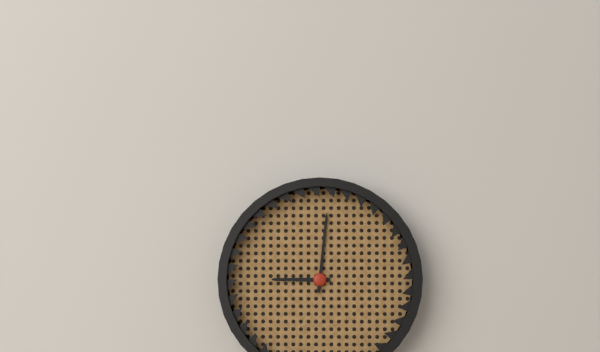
{"hour": 9, "minute": 1}
